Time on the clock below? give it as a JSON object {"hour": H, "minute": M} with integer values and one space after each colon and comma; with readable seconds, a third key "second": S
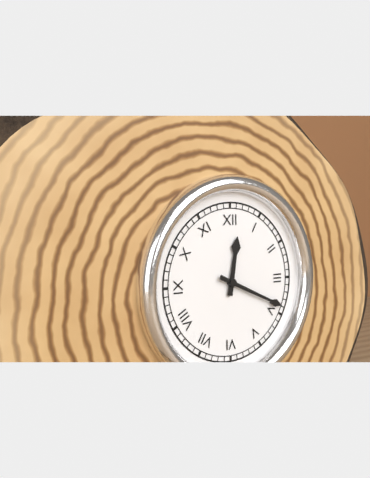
{"hour": 12, "minute": 19}
